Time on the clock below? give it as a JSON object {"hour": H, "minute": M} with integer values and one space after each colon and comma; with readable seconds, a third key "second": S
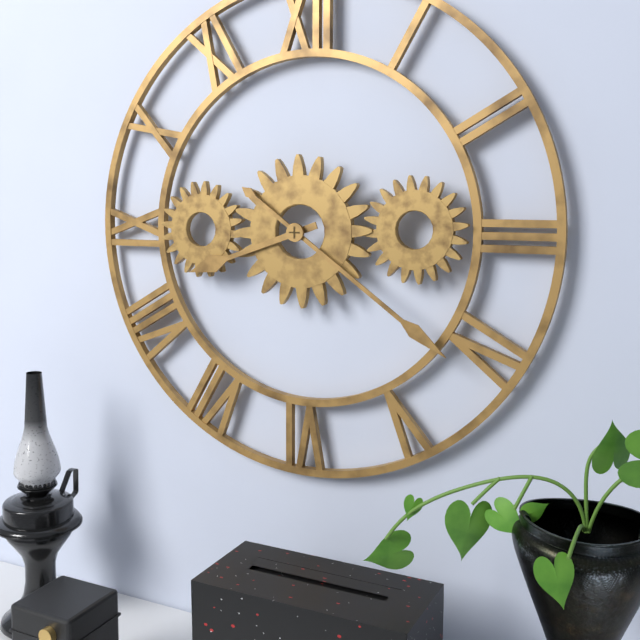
{"hour": 8, "minute": 21}
